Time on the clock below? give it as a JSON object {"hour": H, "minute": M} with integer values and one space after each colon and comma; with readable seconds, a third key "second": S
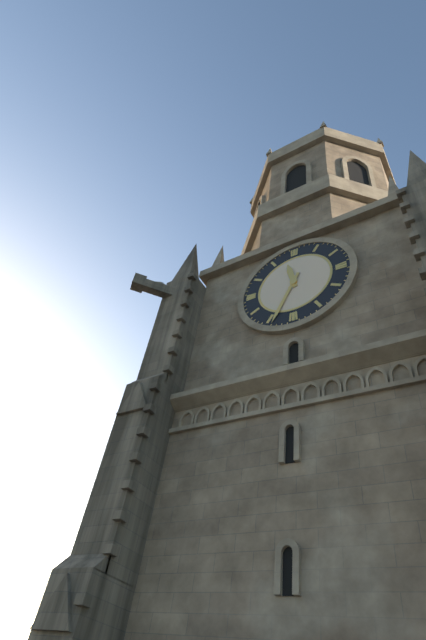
{"hour": 11, "minute": 34}
